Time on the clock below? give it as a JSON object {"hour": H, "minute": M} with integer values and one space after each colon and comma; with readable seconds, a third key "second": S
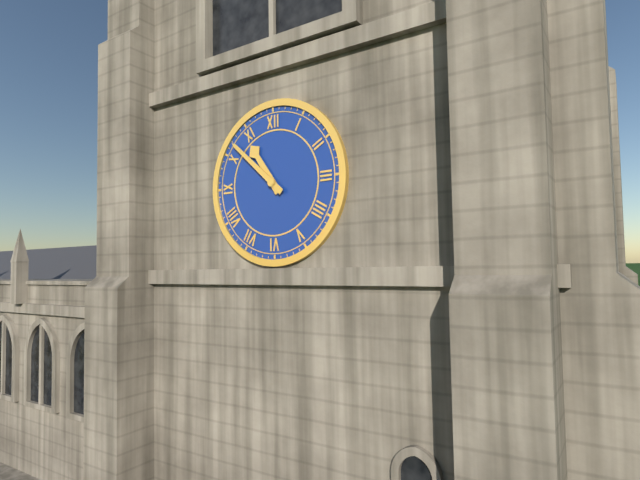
{"hour": 10, "minute": 52}
